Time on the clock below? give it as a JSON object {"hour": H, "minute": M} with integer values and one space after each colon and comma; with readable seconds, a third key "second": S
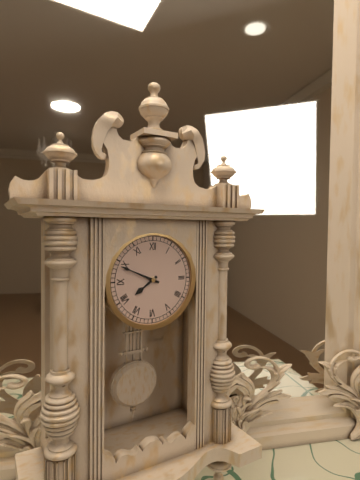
{"hour": 7, "minute": 49}
